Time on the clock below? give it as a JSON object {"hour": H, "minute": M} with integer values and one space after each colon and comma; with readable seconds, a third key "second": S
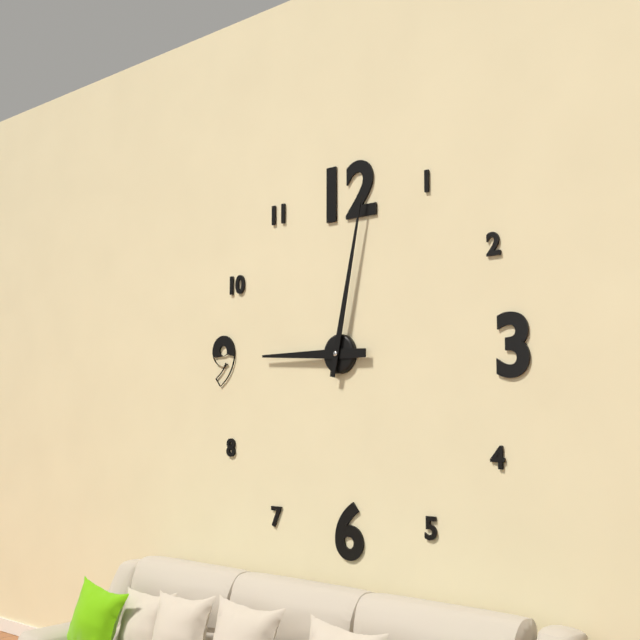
{"hour": 9, "minute": 2}
